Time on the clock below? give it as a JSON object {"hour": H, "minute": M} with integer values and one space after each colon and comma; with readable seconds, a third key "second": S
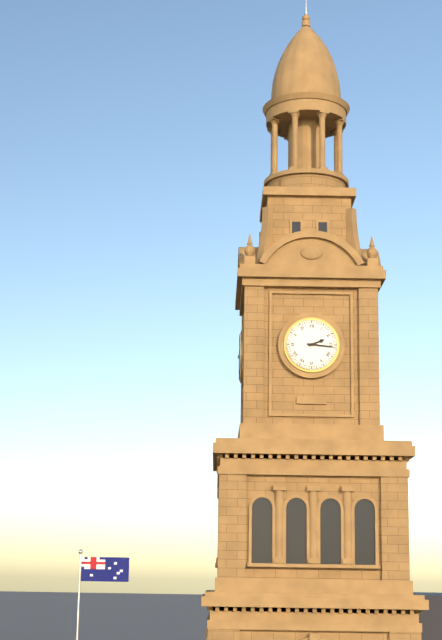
{"hour": 2, "minute": 16}
